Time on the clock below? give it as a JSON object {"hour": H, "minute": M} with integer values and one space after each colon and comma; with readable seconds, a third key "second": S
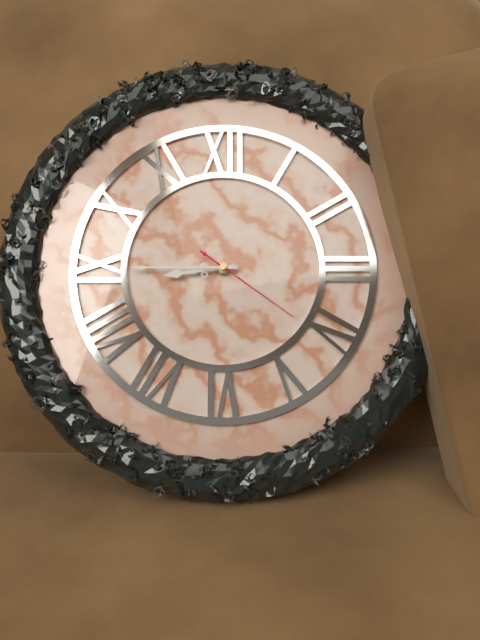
{"hour": 8, "minute": 45, "second": 21}
